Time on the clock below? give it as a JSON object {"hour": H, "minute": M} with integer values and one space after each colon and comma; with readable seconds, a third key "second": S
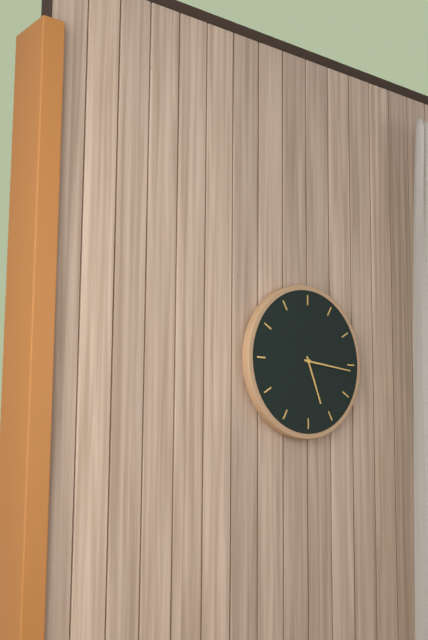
{"hour": 5, "minute": 16}
